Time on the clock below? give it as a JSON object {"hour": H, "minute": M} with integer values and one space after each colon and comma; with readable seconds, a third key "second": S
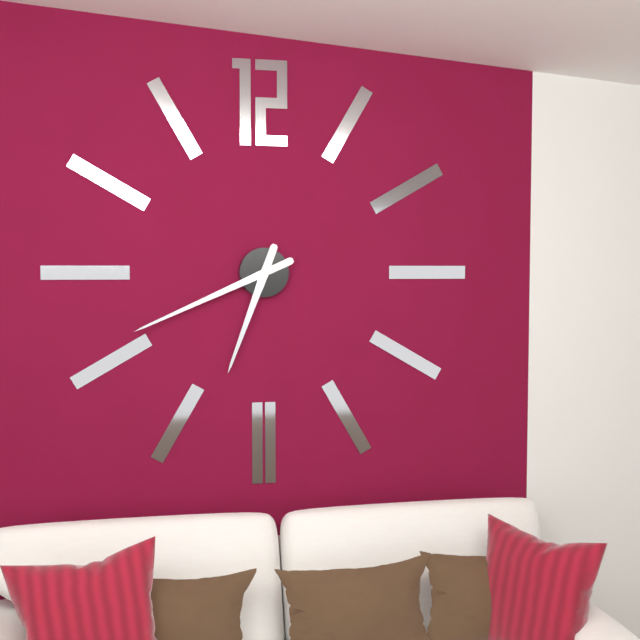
{"hour": 6, "minute": 41}
